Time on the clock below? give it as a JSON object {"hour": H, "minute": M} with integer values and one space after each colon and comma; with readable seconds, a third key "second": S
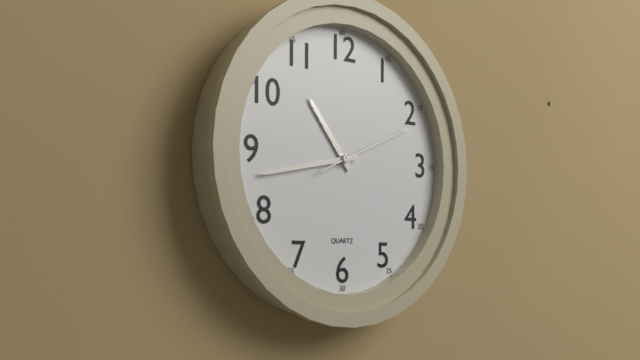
{"hour": 10, "minute": 43, "second": 11}
